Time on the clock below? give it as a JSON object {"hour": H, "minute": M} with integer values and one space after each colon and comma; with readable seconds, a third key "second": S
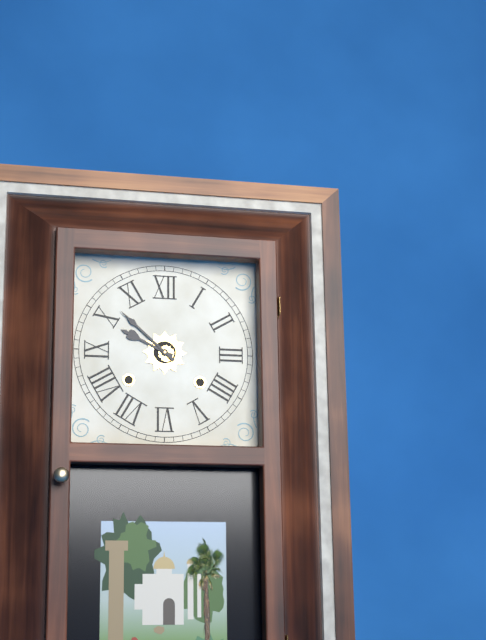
{"hour": 9, "minute": 52}
